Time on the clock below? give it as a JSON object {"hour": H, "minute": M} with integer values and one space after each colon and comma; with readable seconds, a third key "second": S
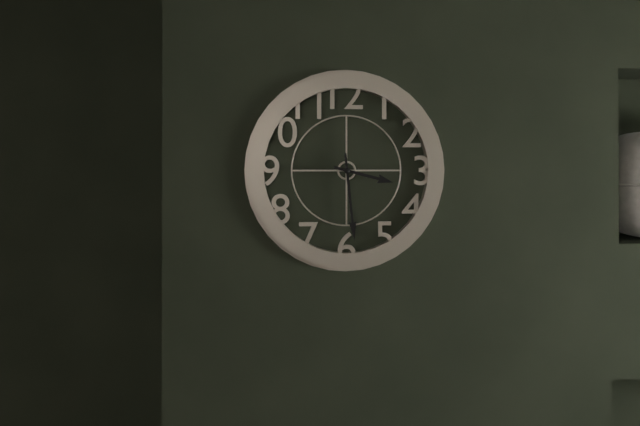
{"hour": 3, "minute": 29}
